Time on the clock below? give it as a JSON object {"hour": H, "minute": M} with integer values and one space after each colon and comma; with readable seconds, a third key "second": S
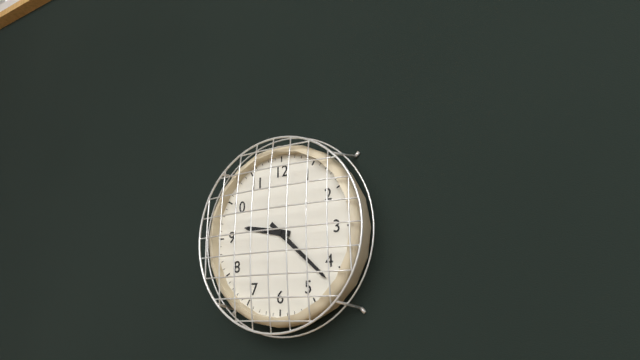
{"hour": 9, "minute": 22}
